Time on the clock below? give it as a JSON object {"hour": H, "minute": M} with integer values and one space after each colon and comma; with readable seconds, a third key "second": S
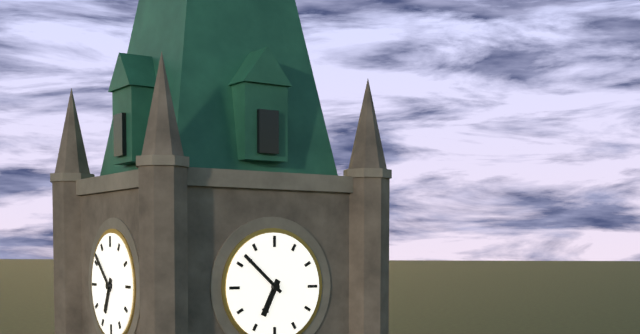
{"hour": 6, "minute": 52}
